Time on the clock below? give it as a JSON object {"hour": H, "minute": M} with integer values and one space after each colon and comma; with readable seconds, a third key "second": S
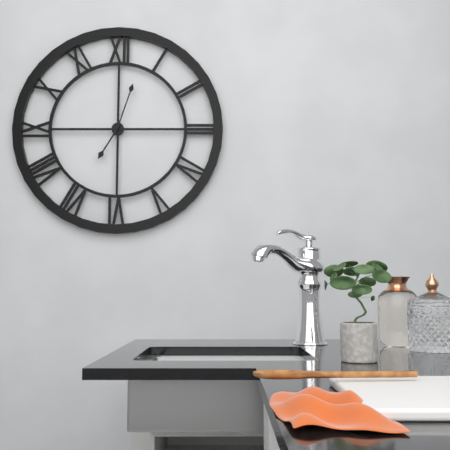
{"hour": 7, "minute": 3}
